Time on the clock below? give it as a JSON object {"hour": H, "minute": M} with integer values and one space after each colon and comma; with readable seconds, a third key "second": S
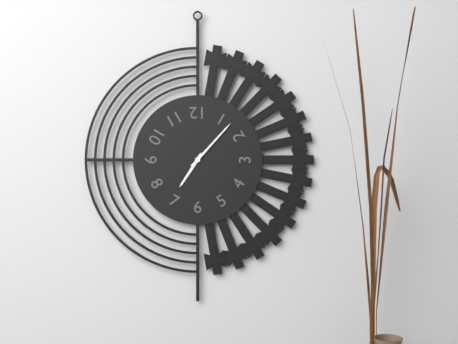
{"hour": 7, "minute": 7}
